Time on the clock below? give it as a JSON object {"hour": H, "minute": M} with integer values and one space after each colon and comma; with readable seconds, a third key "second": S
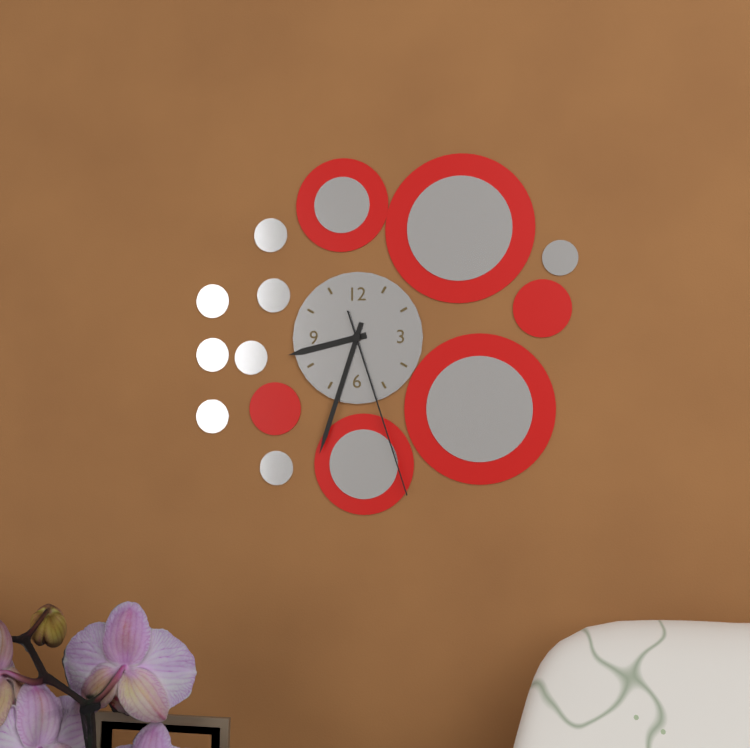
{"hour": 8, "minute": 33, "second": 27}
